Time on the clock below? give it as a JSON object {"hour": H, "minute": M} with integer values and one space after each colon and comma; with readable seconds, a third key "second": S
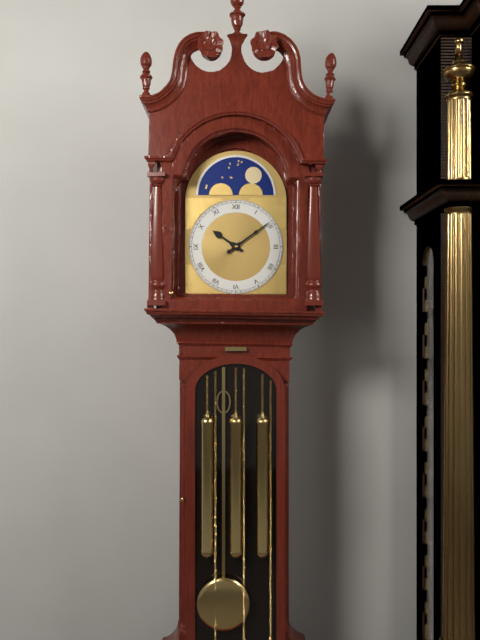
{"hour": 10, "minute": 9}
